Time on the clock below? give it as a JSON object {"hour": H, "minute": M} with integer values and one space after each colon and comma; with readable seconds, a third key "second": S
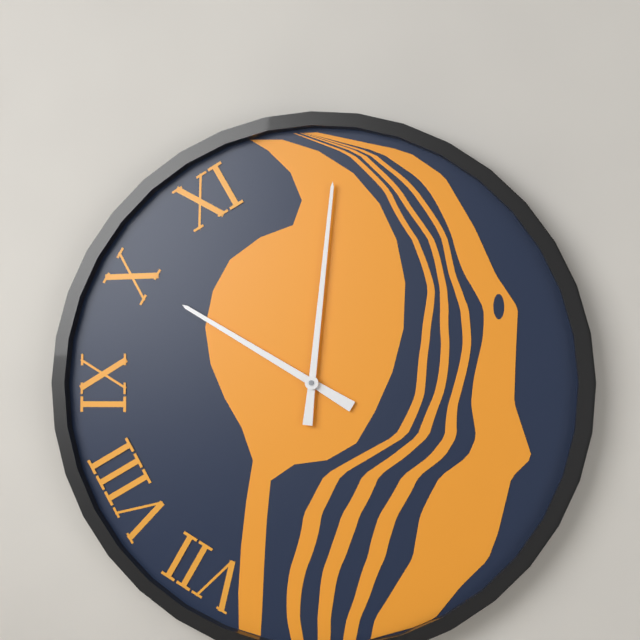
{"hour": 10, "minute": 1}
